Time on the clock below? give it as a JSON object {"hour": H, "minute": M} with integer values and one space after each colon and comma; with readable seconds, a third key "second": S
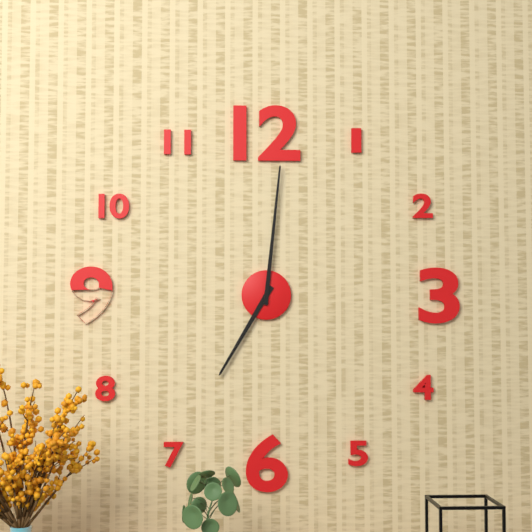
{"hour": 7, "minute": 1}
